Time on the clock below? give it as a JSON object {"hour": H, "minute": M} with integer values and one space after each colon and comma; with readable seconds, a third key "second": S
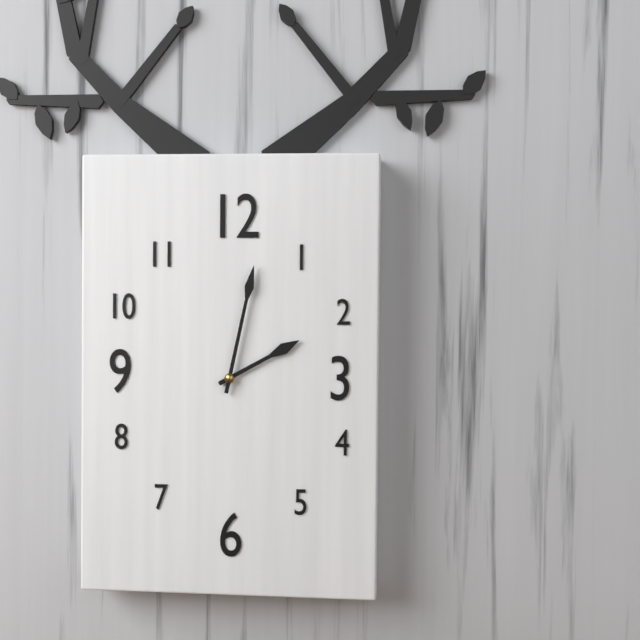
{"hour": 2, "minute": 2}
